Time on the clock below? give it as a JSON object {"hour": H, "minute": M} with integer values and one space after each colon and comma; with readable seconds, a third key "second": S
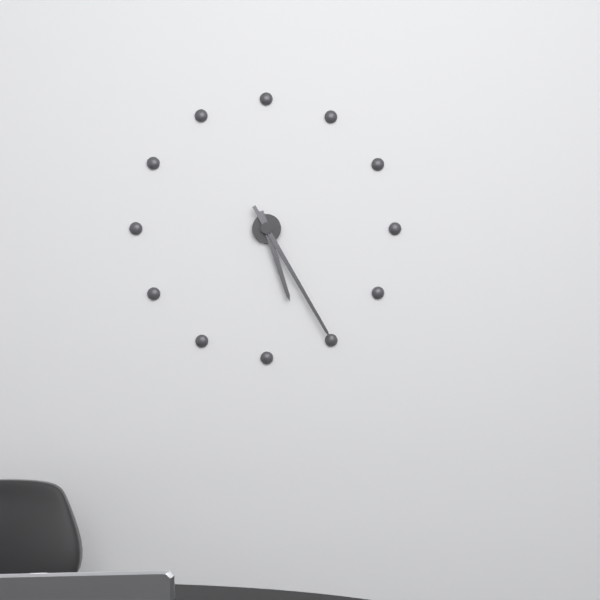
{"hour": 5, "minute": 25}
